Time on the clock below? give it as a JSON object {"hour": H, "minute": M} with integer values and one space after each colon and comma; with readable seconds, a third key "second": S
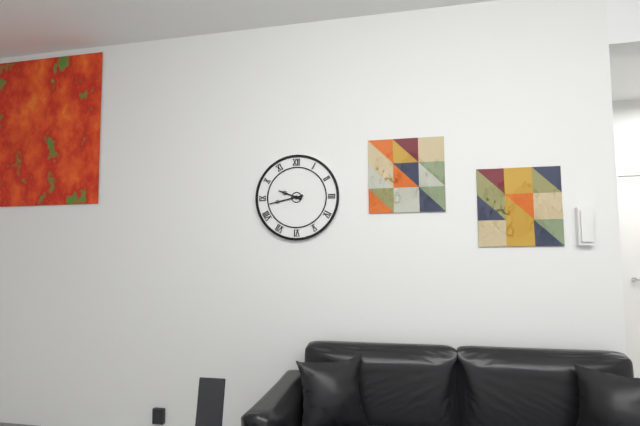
{"hour": 9, "minute": 43}
